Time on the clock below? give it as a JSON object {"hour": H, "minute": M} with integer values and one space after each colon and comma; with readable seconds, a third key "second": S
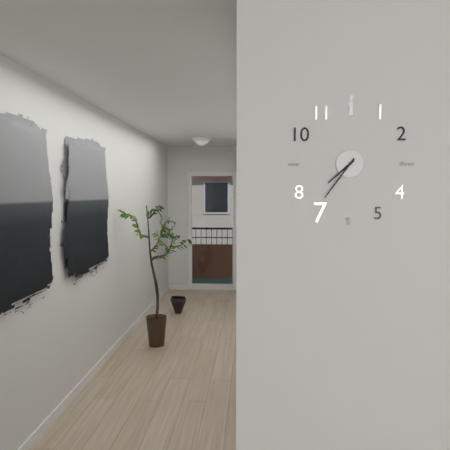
{"hour": 7, "minute": 36}
